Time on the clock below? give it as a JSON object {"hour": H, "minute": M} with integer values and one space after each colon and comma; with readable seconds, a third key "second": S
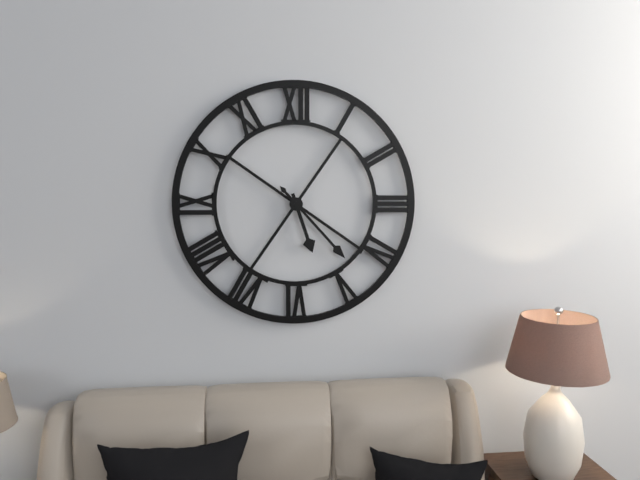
{"hour": 5, "minute": 23}
